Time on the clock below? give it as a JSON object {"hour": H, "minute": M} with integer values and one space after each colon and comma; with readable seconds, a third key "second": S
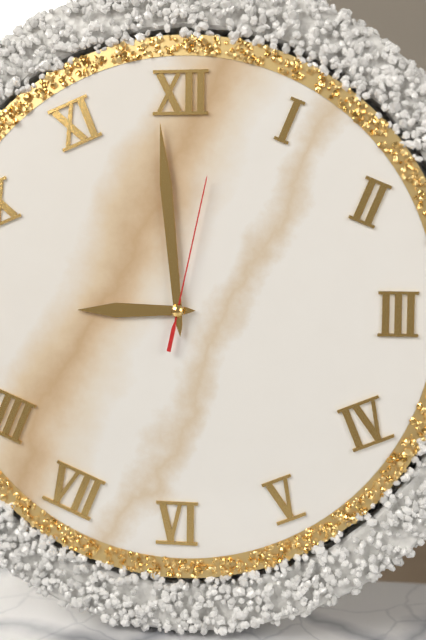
{"hour": 8, "minute": 59, "second": 2}
